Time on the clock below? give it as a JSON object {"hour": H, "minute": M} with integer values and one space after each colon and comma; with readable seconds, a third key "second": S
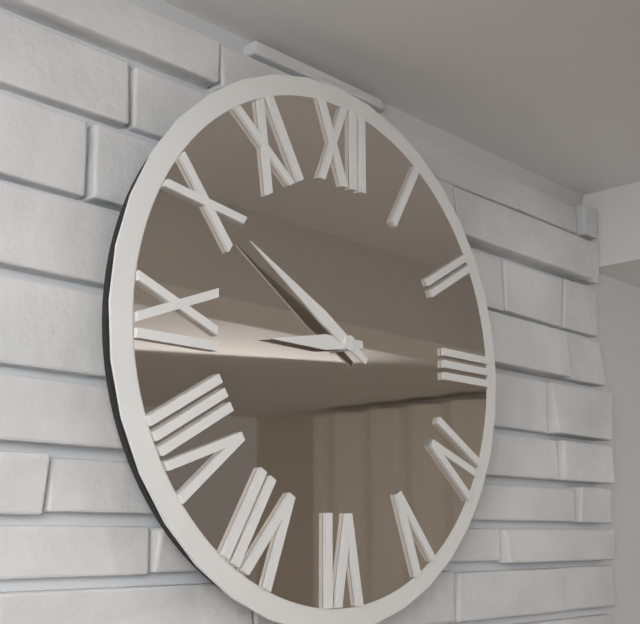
{"hour": 8, "minute": 50}
